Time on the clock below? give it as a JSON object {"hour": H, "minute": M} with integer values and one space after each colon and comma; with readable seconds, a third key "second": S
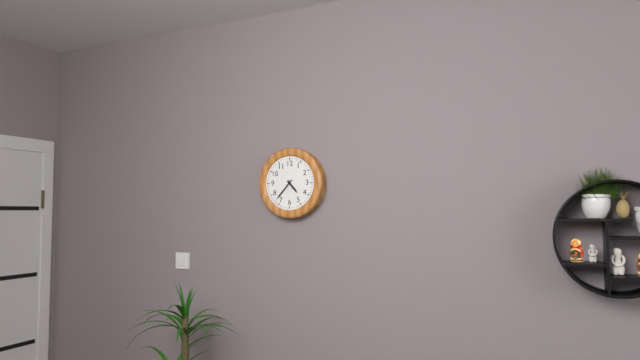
{"hour": 4, "minute": 37}
